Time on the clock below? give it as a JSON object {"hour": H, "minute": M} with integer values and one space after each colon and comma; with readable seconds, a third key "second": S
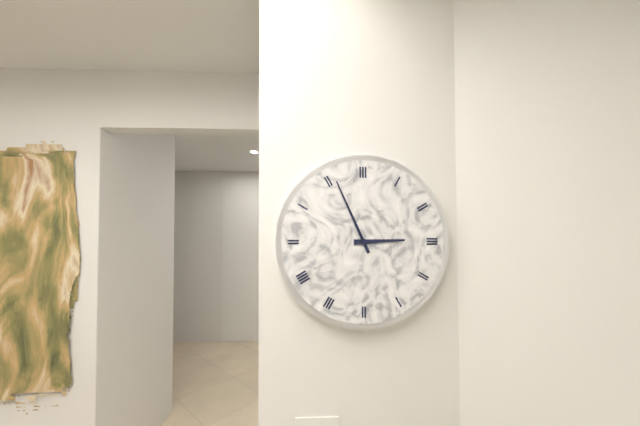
{"hour": 2, "minute": 56}
